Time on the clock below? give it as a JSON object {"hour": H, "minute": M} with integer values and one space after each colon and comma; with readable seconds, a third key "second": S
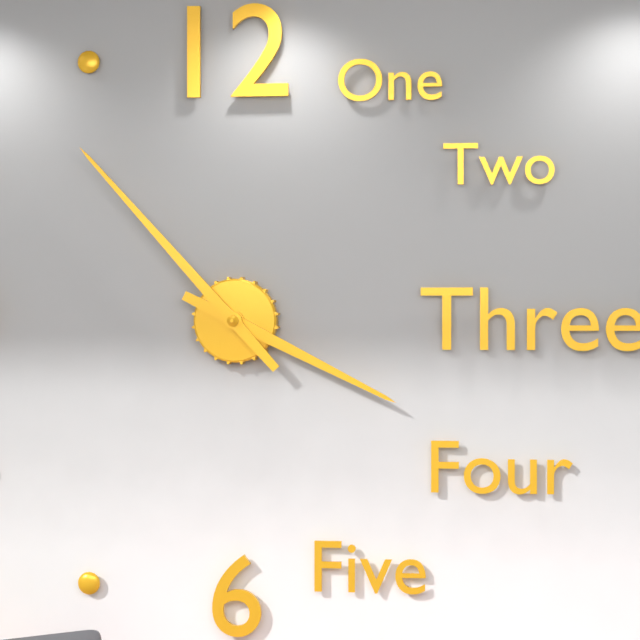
{"hour": 3, "minute": 53}
